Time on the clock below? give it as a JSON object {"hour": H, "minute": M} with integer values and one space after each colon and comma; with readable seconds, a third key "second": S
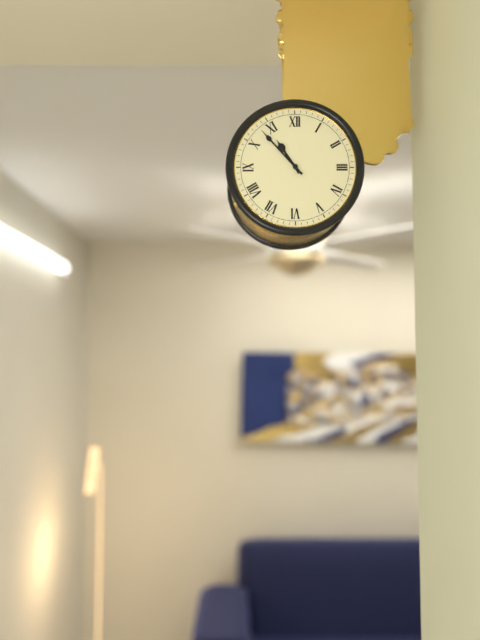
{"hour": 10, "minute": 53}
